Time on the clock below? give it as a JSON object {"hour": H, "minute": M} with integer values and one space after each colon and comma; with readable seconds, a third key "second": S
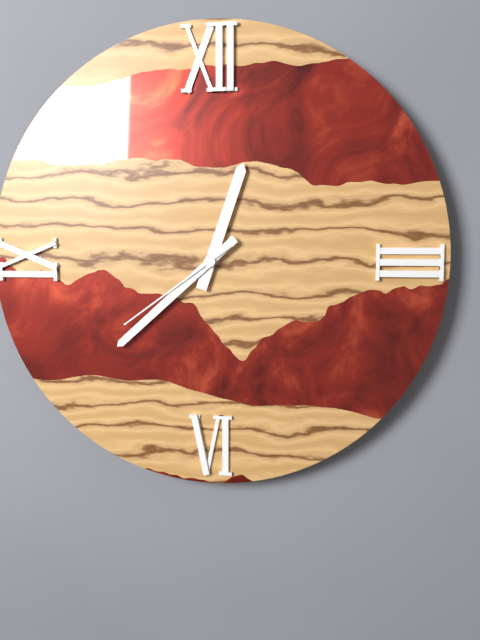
{"hour": 12, "minute": 38, "second": 39}
